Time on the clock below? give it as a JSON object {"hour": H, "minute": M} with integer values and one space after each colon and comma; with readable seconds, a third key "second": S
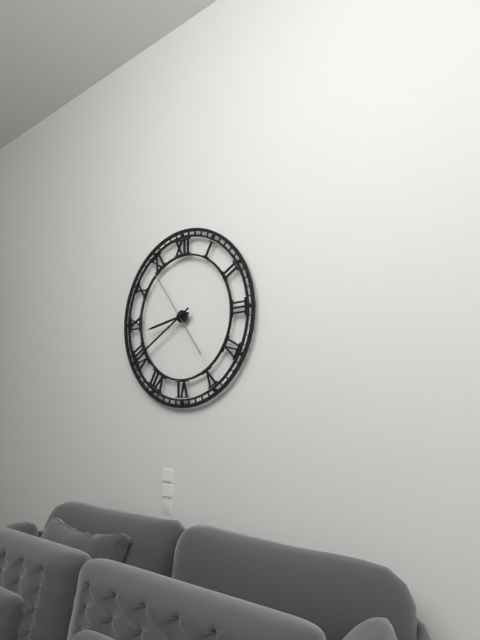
{"hour": 8, "minute": 40, "second": 54}
